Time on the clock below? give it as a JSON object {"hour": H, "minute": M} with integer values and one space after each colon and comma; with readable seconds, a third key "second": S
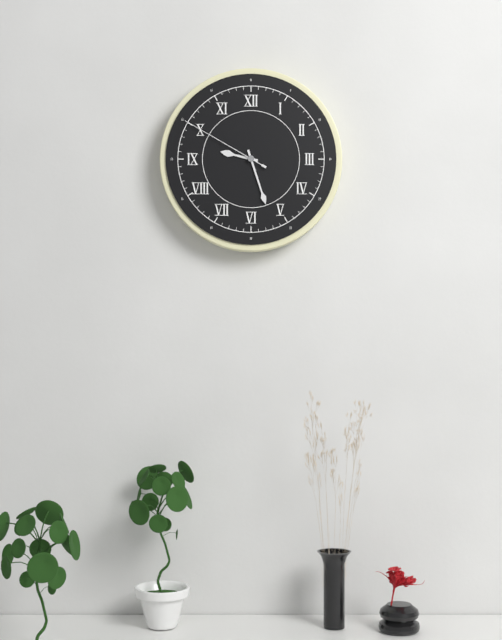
{"hour": 9, "minute": 27, "second": 50}
